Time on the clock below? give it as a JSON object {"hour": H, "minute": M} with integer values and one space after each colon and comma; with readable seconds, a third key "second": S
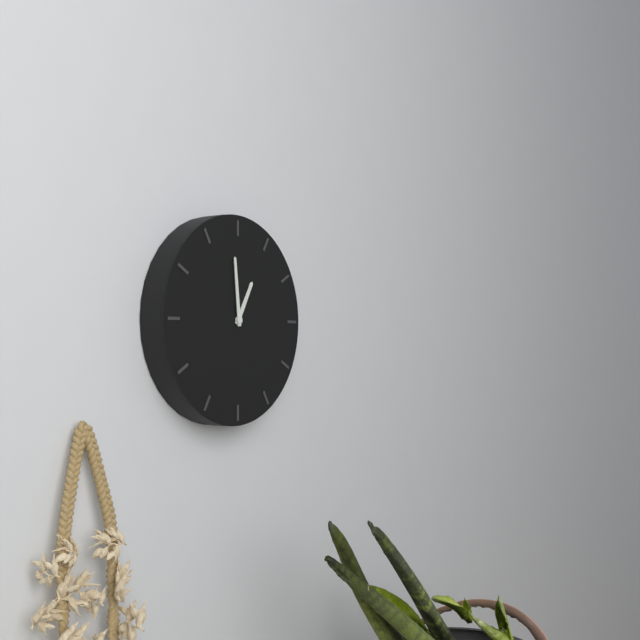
{"hour": 12, "minute": 59}
